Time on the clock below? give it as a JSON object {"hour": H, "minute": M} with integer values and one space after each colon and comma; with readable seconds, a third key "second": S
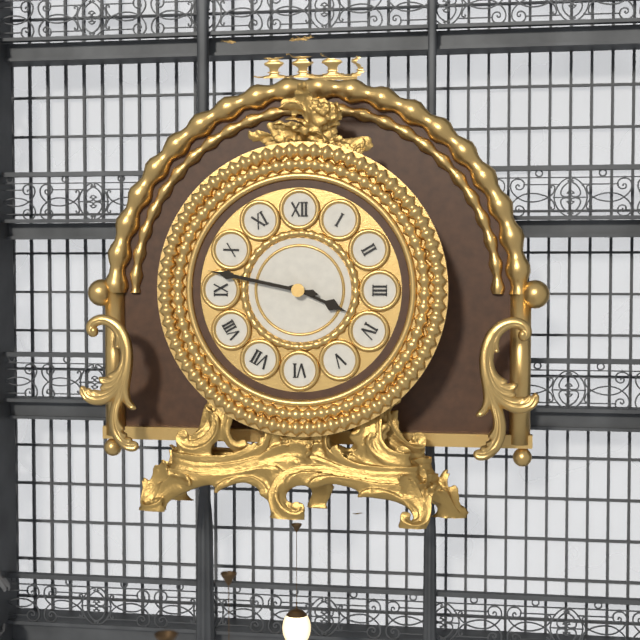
{"hour": 3, "minute": 47}
